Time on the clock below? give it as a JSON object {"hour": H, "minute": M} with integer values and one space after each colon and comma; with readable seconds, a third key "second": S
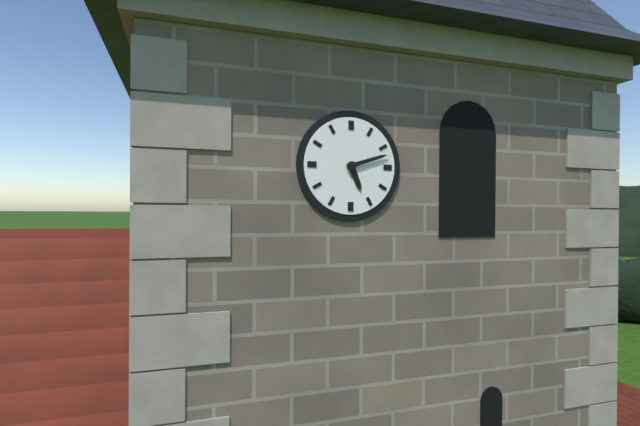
{"hour": 5, "minute": 12}
